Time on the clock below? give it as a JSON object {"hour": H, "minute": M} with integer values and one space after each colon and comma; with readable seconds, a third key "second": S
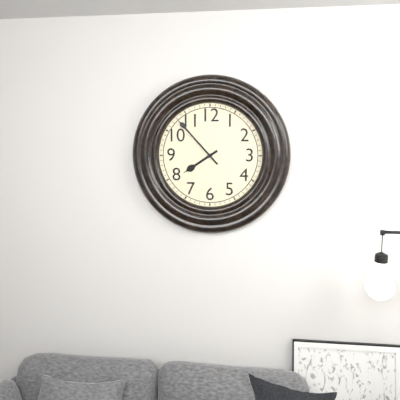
{"hour": 7, "minute": 53}
